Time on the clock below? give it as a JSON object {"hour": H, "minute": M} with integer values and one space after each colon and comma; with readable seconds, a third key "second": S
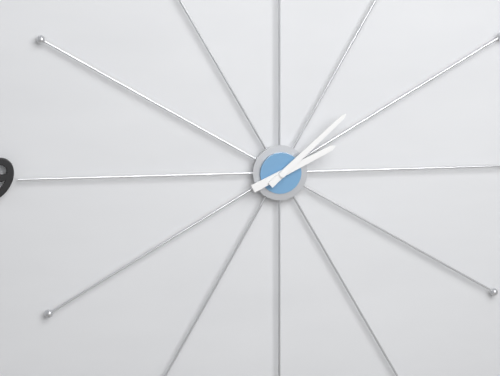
{"hour": 2, "minute": 8}
